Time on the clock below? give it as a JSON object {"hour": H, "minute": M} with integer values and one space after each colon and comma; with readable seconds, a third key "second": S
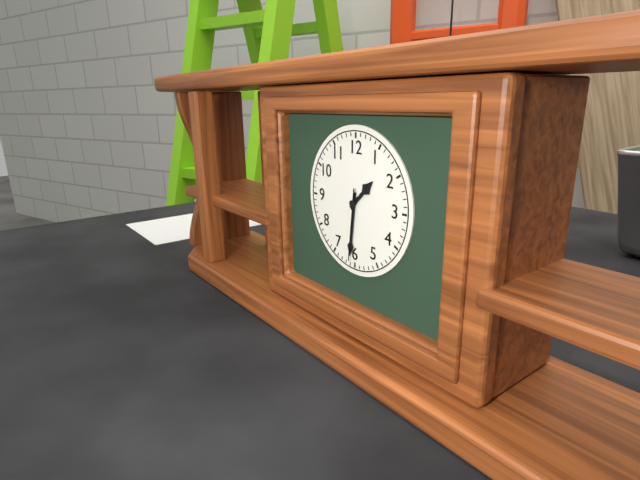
{"hour": 1, "minute": 31, "second": 31}
